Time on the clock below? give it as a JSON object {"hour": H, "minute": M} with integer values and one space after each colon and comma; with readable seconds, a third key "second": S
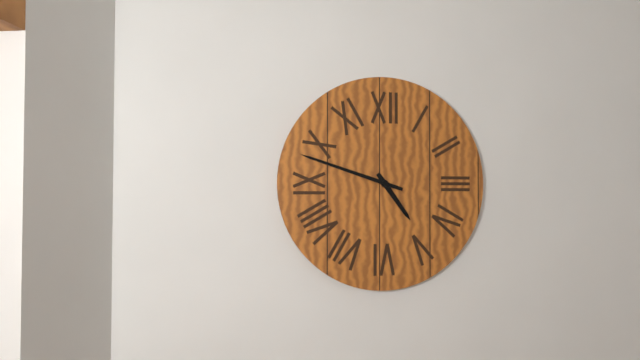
{"hour": 4, "minute": 48}
